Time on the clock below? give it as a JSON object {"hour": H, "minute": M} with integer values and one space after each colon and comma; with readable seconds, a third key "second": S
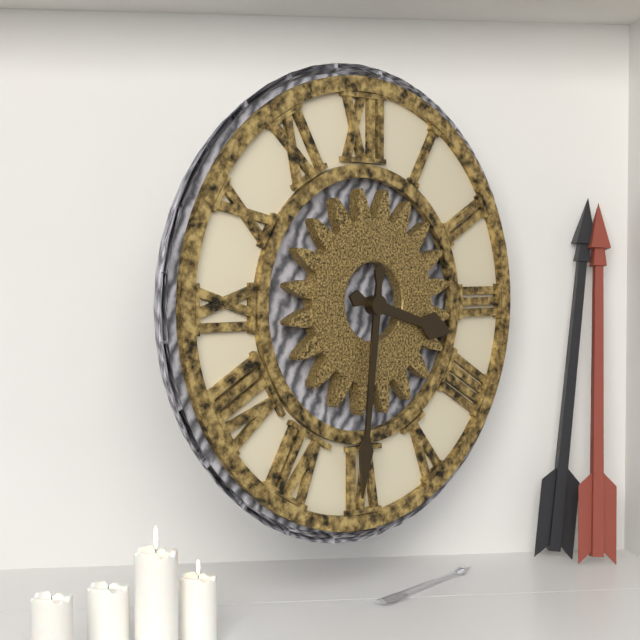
{"hour": 3, "minute": 31}
